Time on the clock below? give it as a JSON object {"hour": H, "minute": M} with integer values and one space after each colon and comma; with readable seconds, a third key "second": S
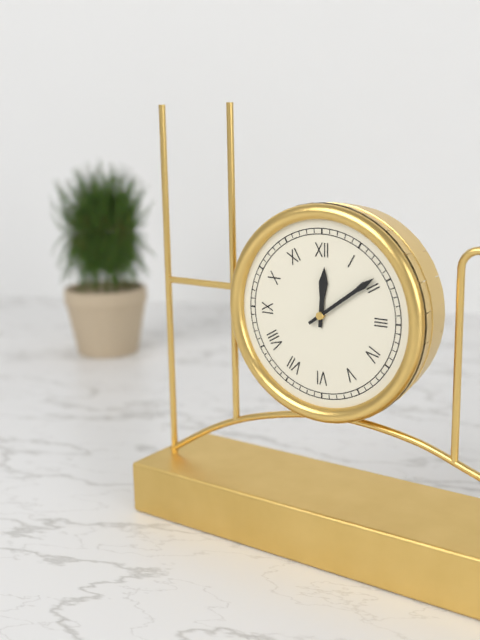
{"hour": 12, "minute": 9}
